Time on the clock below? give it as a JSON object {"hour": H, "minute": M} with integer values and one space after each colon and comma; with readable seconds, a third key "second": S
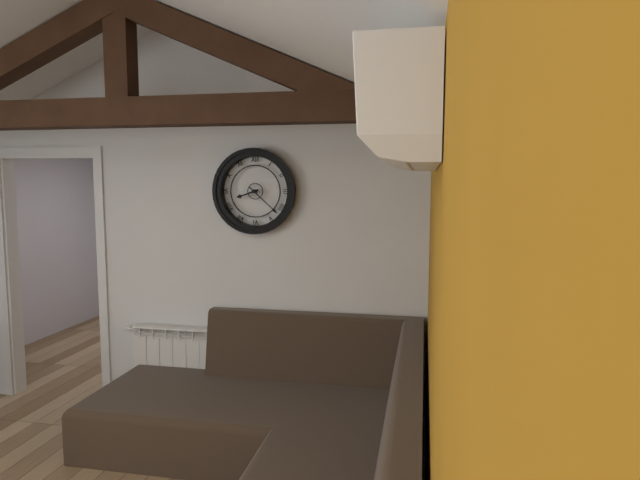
{"hour": 8, "minute": 22}
